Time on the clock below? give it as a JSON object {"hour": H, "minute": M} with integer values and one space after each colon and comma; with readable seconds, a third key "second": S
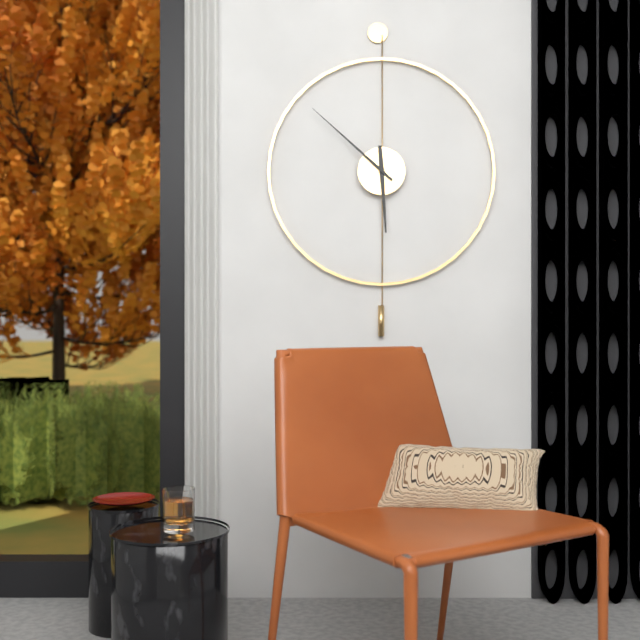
{"hour": 5, "minute": 52}
